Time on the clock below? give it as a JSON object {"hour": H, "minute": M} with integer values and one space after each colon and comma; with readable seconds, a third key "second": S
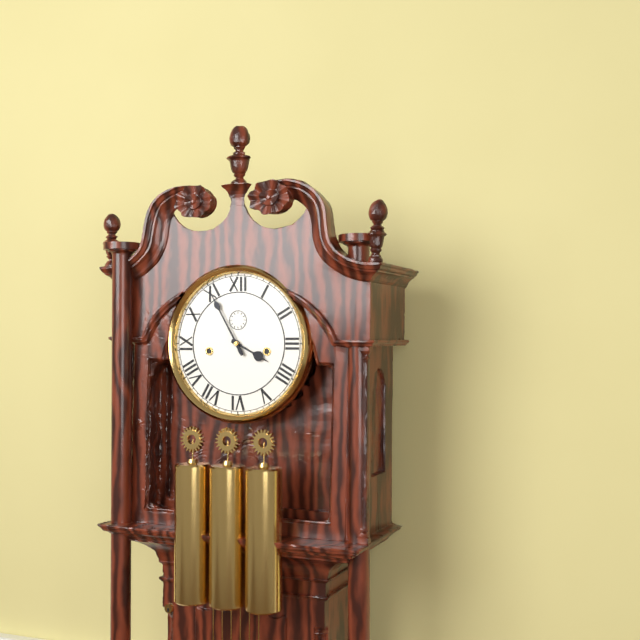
{"hour": 3, "minute": 55}
